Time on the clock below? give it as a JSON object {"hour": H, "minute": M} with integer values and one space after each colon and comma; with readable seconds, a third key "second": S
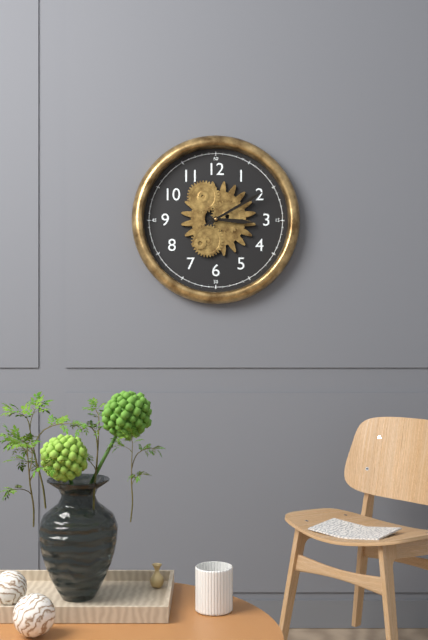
{"hour": 3, "minute": 10}
